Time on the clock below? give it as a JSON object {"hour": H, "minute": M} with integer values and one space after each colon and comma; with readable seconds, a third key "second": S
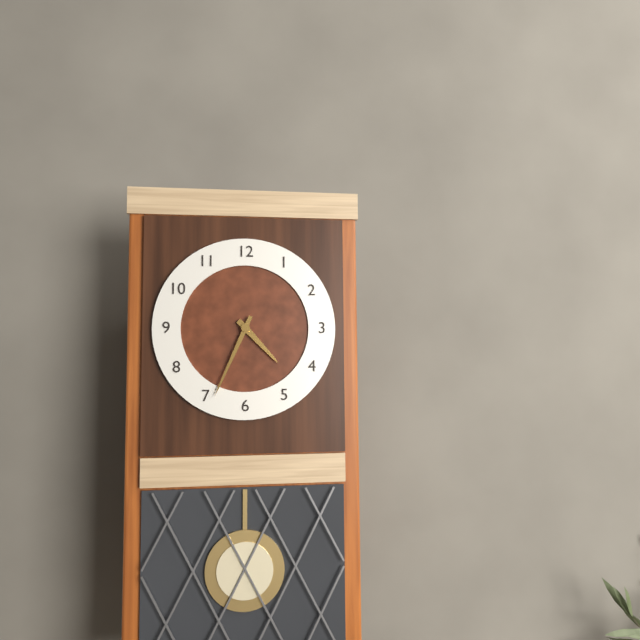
{"hour": 4, "minute": 34}
